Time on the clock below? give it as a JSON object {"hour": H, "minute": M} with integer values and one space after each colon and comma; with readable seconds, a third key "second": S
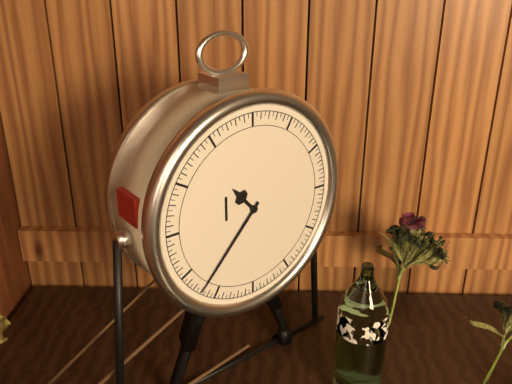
{"hour": 10, "minute": 37}
